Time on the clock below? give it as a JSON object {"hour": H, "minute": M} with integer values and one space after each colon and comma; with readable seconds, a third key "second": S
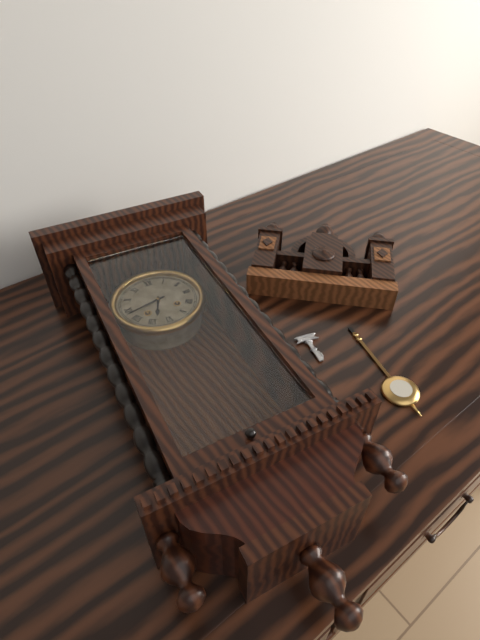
{"hour": 6, "minute": 43}
